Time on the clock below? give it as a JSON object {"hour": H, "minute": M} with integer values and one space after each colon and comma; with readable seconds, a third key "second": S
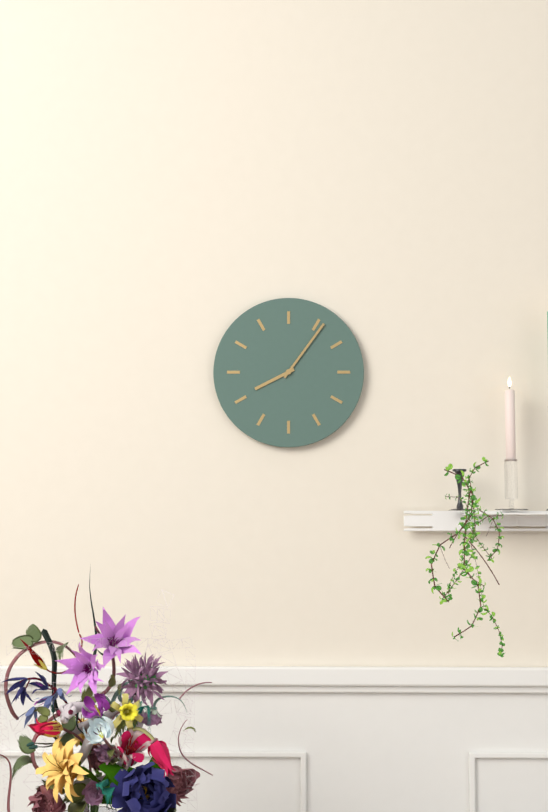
{"hour": 8, "minute": 6}
